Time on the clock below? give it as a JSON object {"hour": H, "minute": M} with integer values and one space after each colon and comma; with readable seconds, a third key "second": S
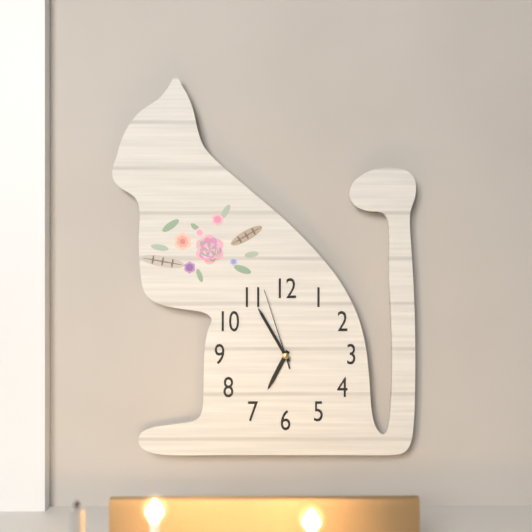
{"hour": 6, "minute": 55, "second": 57}
